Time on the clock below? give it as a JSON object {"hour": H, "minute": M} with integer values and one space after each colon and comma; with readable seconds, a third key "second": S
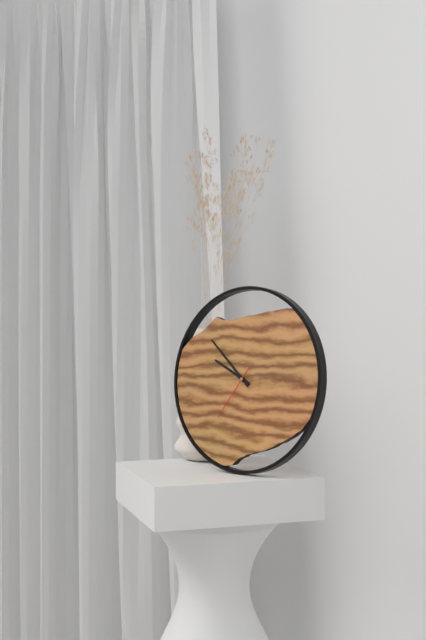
{"hour": 9, "minute": 52, "second": 36}
